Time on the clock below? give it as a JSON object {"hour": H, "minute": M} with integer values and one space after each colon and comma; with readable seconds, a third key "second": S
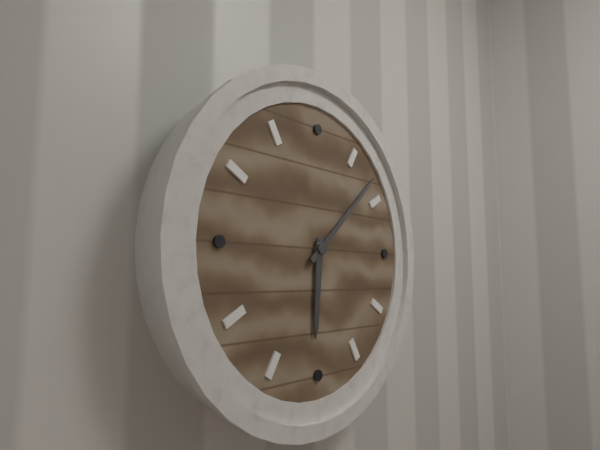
{"hour": 6, "minute": 8}
